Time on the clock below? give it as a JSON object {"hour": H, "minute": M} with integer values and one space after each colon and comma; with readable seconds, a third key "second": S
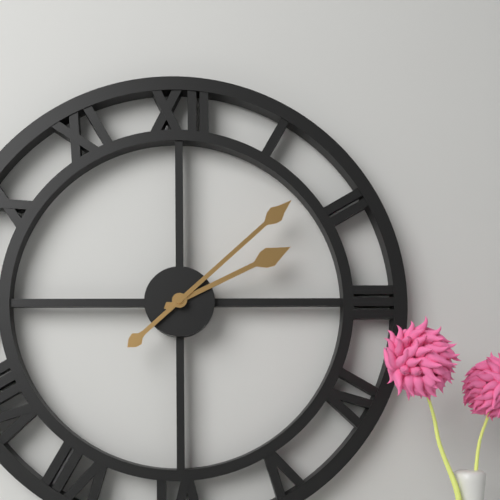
{"hour": 2, "minute": 8}
